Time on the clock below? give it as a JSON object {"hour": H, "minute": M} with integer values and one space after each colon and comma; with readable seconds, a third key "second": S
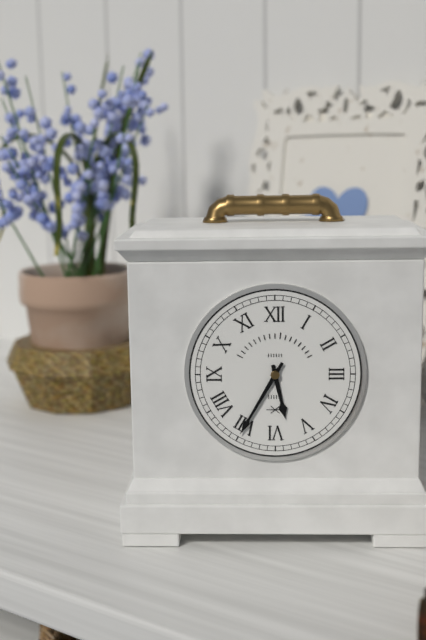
{"hour": 5, "minute": 35}
